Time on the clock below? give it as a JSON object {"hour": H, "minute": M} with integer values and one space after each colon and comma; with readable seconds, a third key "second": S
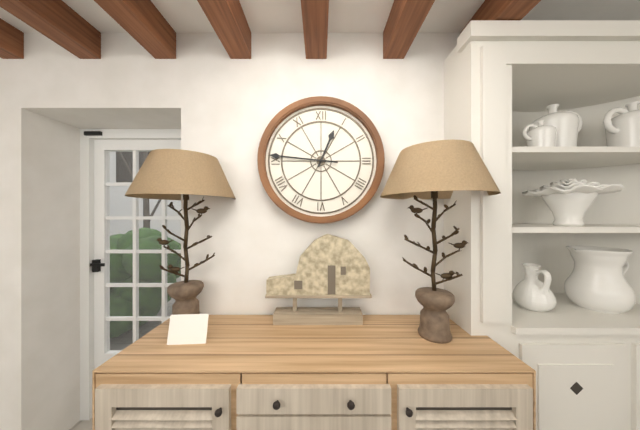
{"hour": 12, "minute": 46}
